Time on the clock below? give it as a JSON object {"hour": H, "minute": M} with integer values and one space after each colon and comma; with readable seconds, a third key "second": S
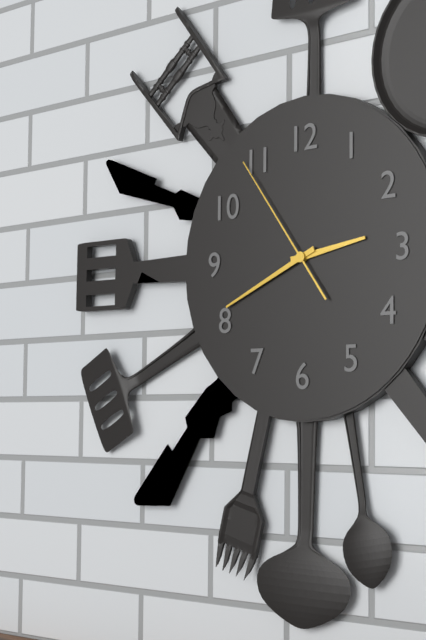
{"hour": 2, "minute": 41, "second": 54}
